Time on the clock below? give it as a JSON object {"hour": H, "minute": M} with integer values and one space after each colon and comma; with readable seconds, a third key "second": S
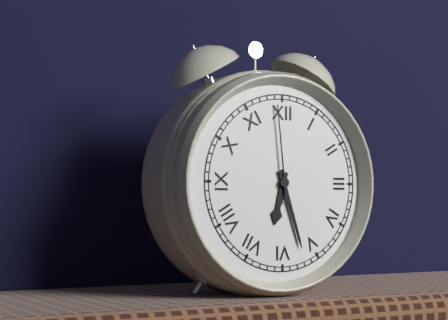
{"hour": 6, "minute": 27, "second": 59}
